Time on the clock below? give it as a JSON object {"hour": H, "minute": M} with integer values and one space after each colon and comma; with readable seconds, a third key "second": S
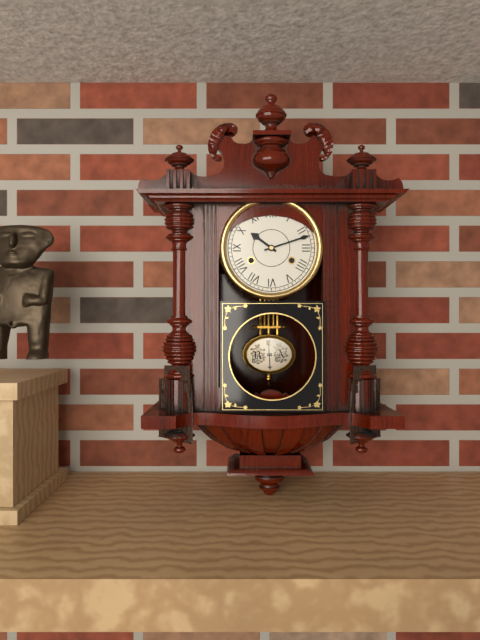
{"hour": 10, "minute": 12}
